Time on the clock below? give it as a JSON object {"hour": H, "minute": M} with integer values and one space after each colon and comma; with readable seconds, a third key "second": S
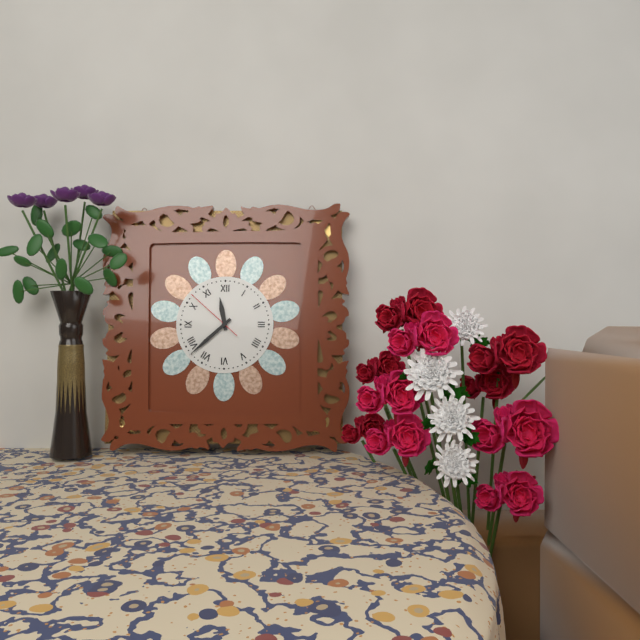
{"hour": 11, "minute": 38, "second": 52}
